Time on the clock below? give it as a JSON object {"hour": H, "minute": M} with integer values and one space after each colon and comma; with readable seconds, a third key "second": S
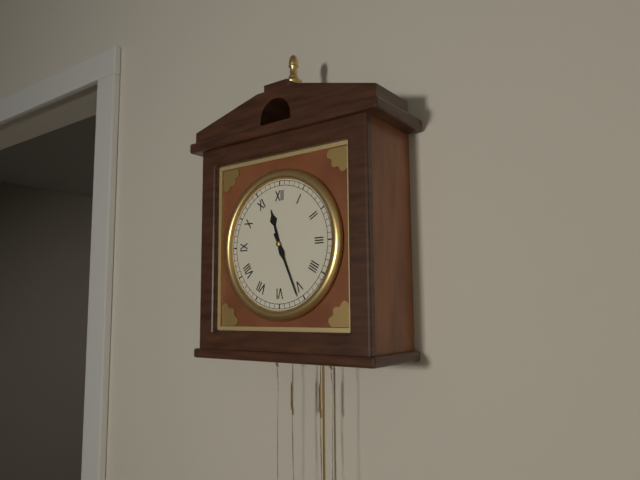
{"hour": 11, "minute": 26}
